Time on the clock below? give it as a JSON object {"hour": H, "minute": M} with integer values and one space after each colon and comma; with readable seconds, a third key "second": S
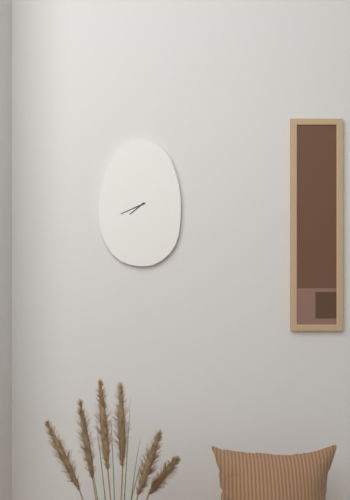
{"hour": 7, "minute": 41}
